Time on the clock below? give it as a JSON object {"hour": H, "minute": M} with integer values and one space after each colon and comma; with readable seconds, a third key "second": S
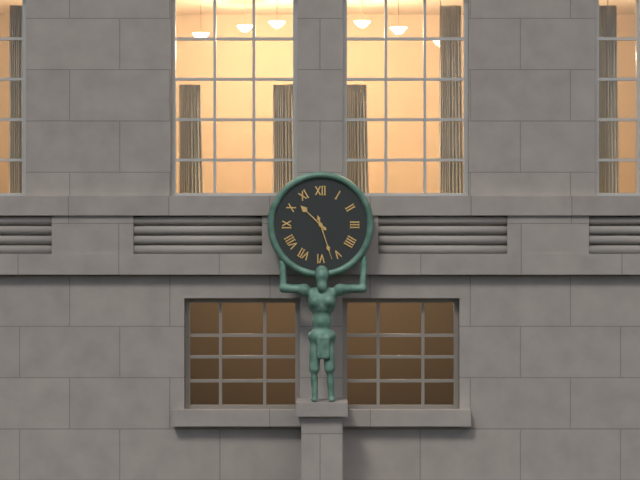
{"hour": 10, "minute": 27}
